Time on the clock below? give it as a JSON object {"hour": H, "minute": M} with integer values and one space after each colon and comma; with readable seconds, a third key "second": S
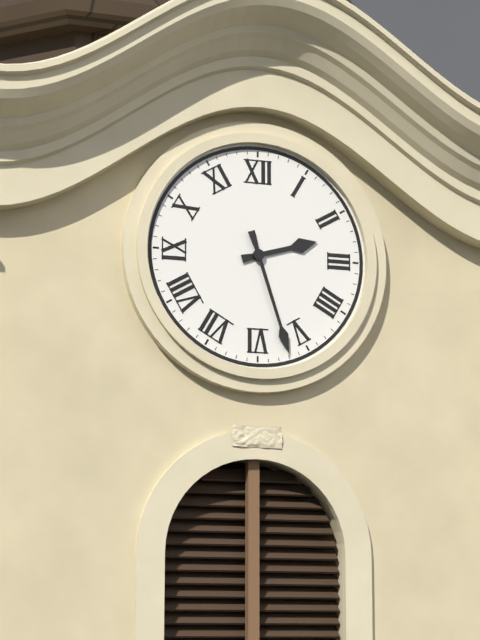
{"hour": 2, "minute": 27}
